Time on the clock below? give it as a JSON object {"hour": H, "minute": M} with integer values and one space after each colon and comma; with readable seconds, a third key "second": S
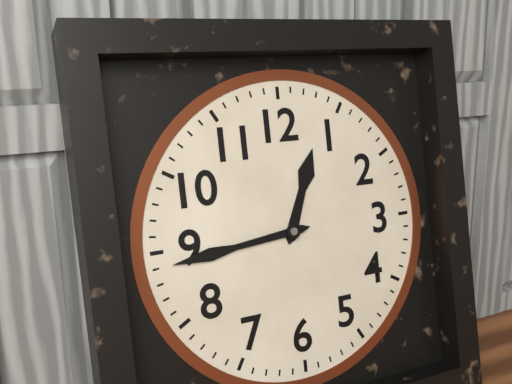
{"hour": 12, "minute": 44}
